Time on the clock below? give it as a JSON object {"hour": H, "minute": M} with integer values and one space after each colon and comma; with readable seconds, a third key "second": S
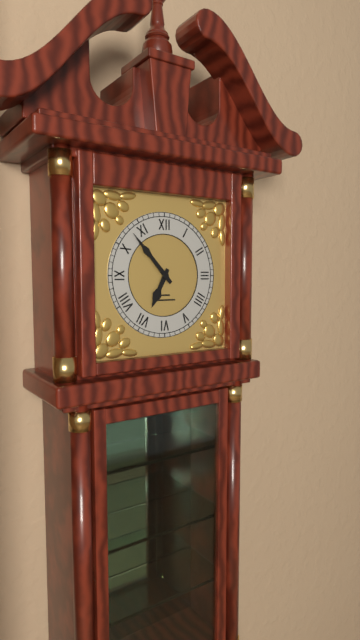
{"hour": 6, "minute": 53}
